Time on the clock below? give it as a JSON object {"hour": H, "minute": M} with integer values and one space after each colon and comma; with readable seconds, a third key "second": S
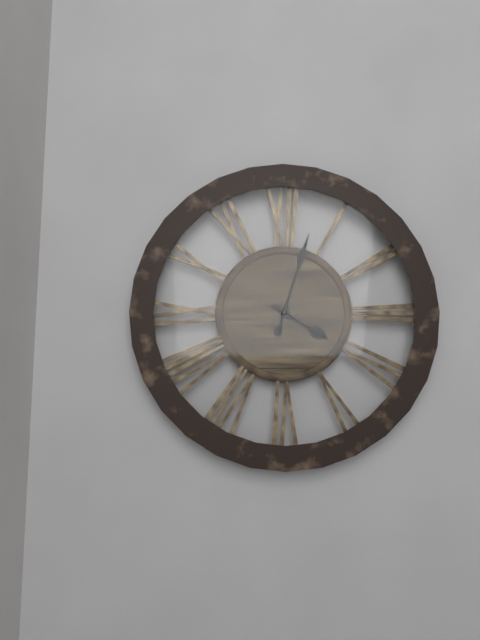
{"hour": 4, "minute": 3}
